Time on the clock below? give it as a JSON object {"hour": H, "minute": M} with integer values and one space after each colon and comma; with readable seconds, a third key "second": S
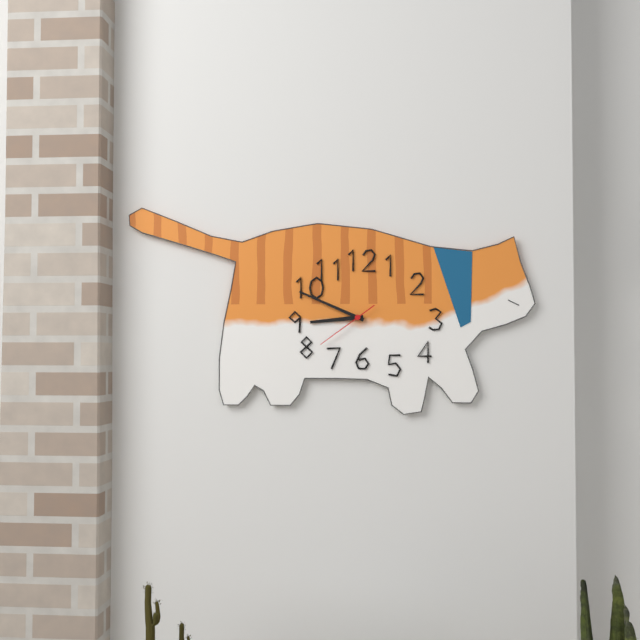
{"hour": 8, "minute": 49, "second": 39}
